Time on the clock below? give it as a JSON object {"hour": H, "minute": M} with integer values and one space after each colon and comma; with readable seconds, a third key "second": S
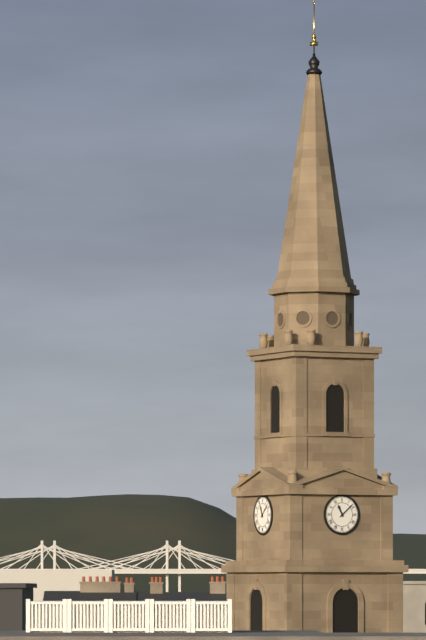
{"hour": 11, "minute": 8}
